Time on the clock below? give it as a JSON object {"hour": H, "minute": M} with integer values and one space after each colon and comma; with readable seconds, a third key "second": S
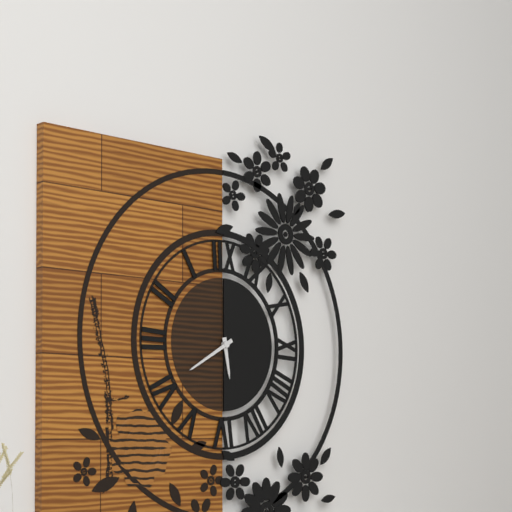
{"hour": 5, "minute": 40}
